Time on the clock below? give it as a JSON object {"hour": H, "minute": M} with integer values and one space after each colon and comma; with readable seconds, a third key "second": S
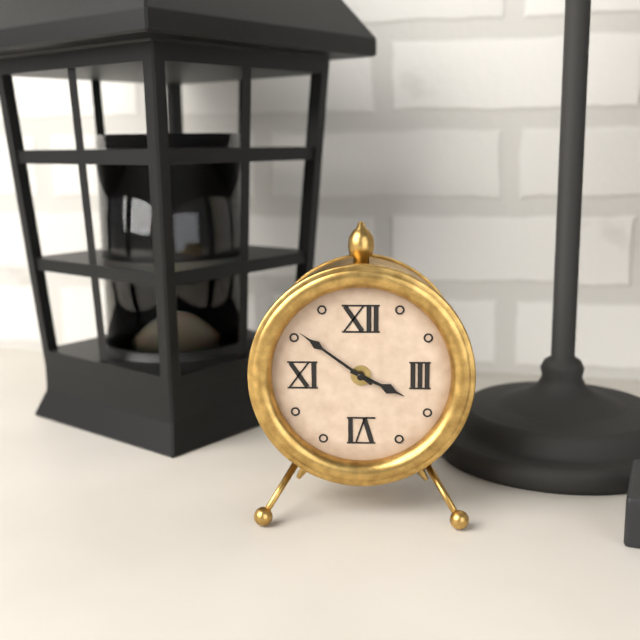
{"hour": 3, "minute": 51}
